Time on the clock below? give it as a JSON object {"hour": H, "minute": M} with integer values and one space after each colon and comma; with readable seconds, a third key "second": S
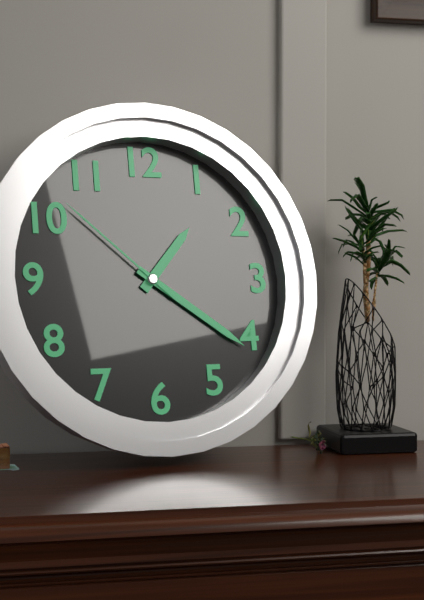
{"hour": 1, "minute": 21, "second": 52}
